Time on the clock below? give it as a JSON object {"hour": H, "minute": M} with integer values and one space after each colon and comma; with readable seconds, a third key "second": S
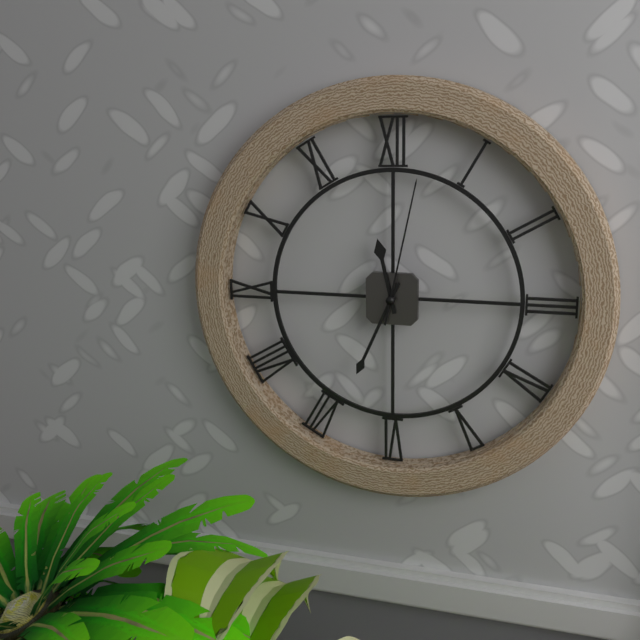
{"hour": 11, "minute": 34, "second": 2}
